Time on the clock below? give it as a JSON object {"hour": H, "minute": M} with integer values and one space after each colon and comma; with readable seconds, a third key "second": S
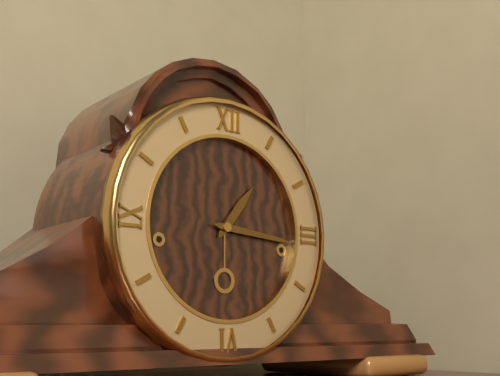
{"hour": 1, "minute": 16}
